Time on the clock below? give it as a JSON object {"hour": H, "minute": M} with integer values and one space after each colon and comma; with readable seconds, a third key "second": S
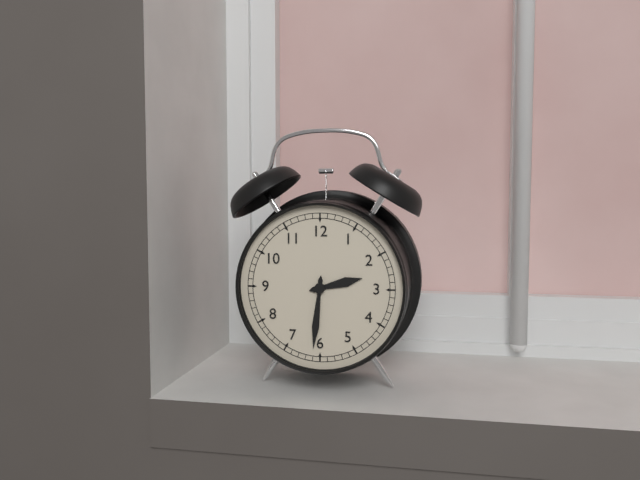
{"hour": 2, "minute": 31}
